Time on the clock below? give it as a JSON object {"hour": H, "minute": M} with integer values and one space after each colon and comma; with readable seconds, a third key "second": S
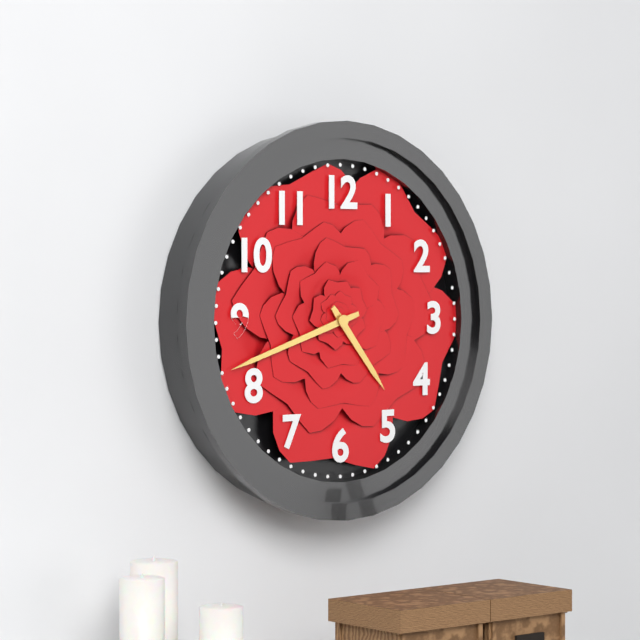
{"hour": 4, "minute": 42}
